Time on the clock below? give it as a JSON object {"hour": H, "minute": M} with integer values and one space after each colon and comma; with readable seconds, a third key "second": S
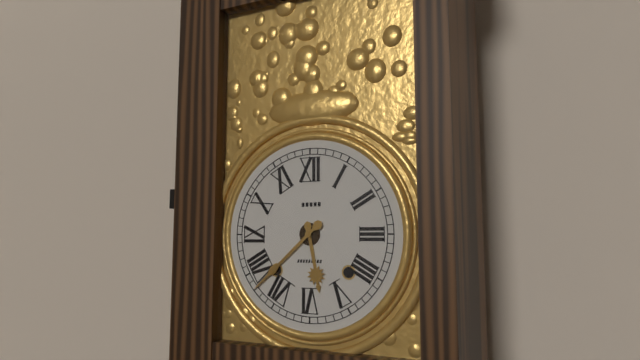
{"hour": 5, "minute": 38}
